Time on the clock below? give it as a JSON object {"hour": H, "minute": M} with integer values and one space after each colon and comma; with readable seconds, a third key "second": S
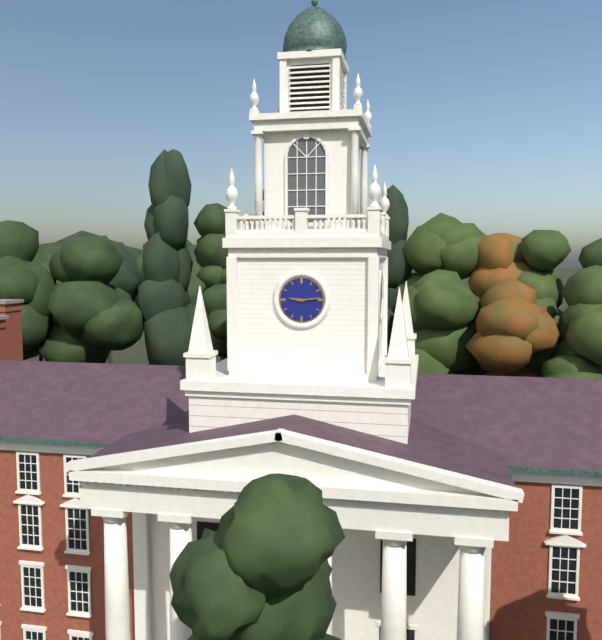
{"hour": 9, "minute": 14}
